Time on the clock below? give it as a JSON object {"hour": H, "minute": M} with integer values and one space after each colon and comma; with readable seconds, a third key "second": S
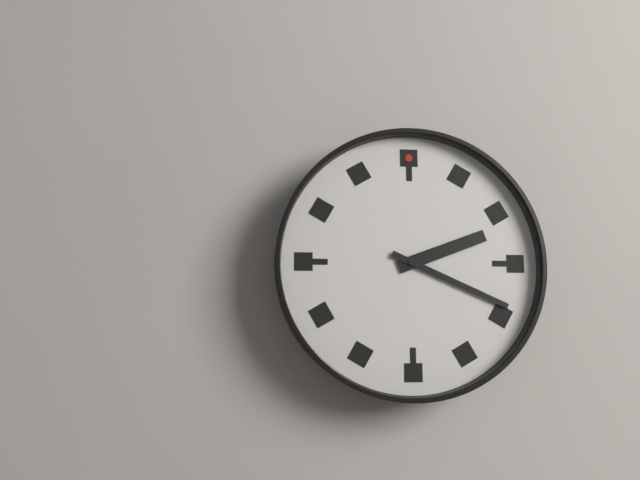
{"hour": 2, "minute": 19}
